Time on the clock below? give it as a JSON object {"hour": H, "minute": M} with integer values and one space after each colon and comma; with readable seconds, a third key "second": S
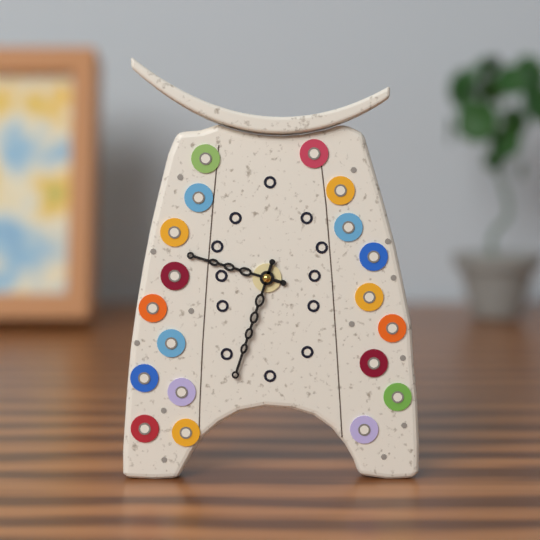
{"hour": 9, "minute": 33}
